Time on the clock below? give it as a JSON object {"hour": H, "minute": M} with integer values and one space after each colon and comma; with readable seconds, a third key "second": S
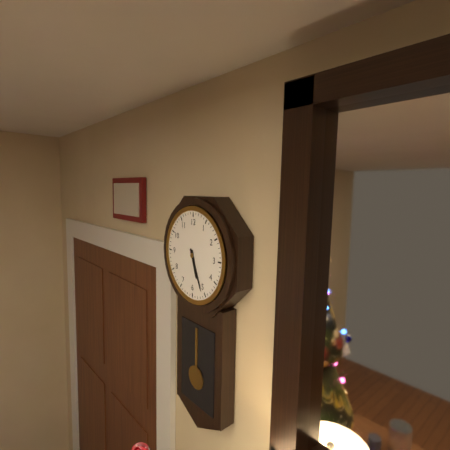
{"hour": 5, "minute": 26}
